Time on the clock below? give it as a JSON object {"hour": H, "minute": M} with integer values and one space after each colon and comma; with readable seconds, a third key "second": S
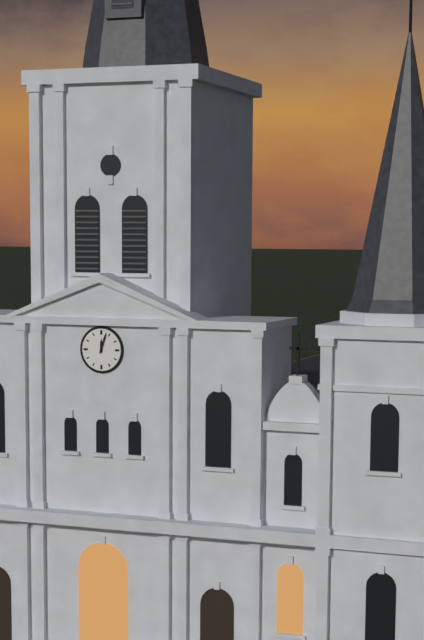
{"hour": 12, "minute": 3}
